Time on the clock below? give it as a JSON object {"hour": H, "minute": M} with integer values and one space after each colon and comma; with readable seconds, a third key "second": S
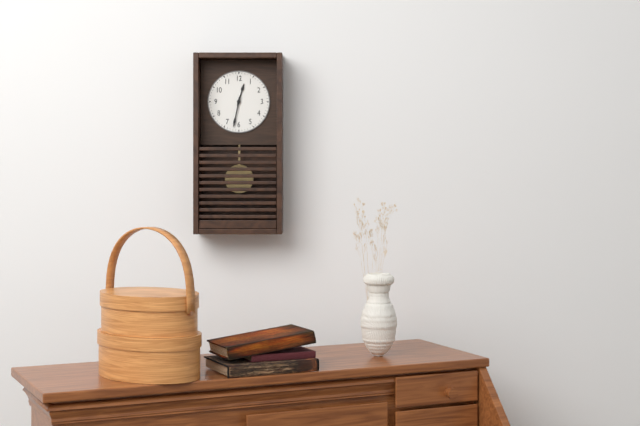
{"hour": 12, "minute": 32}
